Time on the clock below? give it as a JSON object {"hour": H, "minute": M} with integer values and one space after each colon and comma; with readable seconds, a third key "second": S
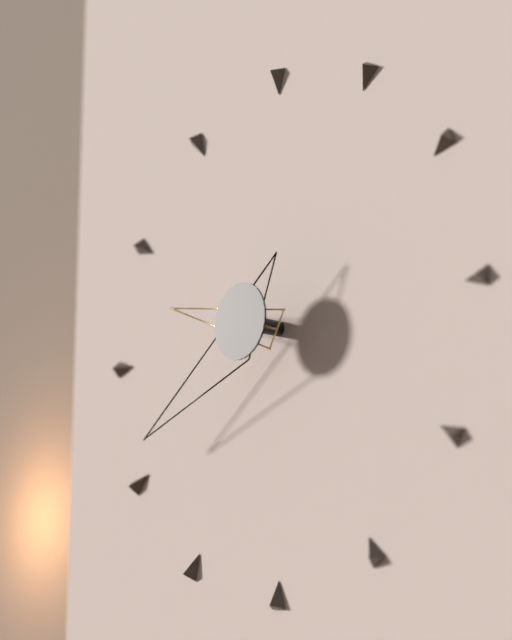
{"hour": 9, "minute": 40}
